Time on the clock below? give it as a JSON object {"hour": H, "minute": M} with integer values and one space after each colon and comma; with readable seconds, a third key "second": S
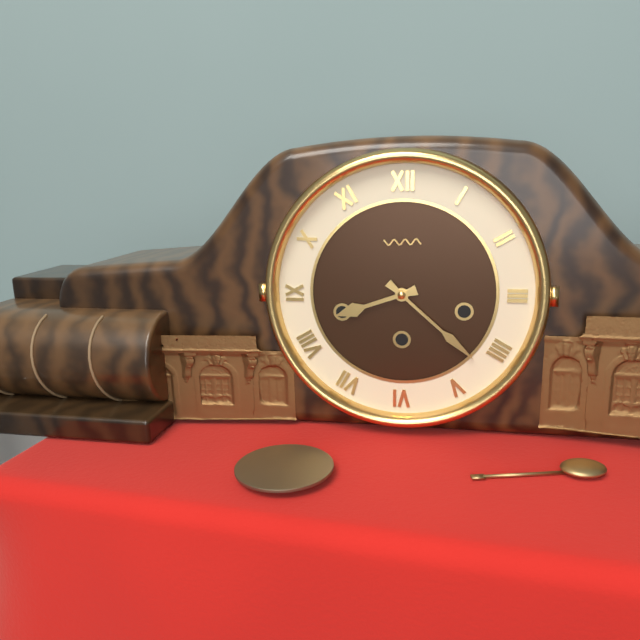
{"hour": 8, "minute": 22}
